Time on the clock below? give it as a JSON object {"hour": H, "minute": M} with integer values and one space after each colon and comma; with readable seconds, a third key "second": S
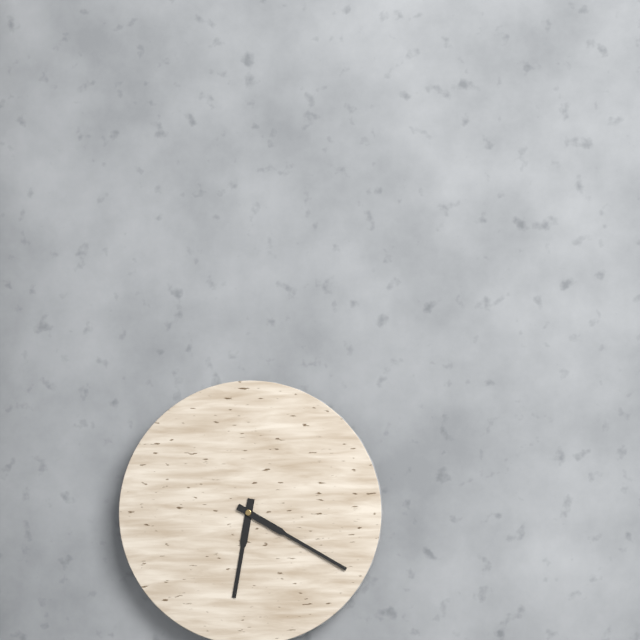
{"hour": 6, "minute": 20}
